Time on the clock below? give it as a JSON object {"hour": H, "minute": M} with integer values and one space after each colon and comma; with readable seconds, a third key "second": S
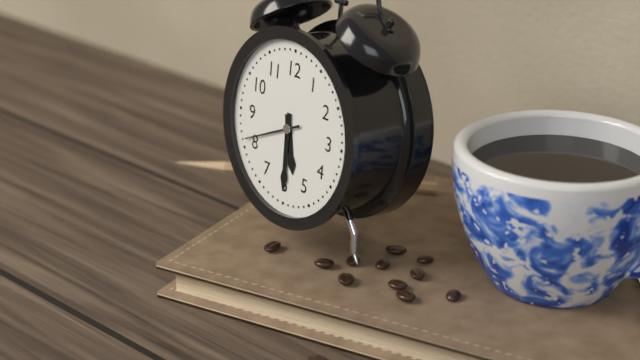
{"hour": 5, "minute": 30, "second": 41}
